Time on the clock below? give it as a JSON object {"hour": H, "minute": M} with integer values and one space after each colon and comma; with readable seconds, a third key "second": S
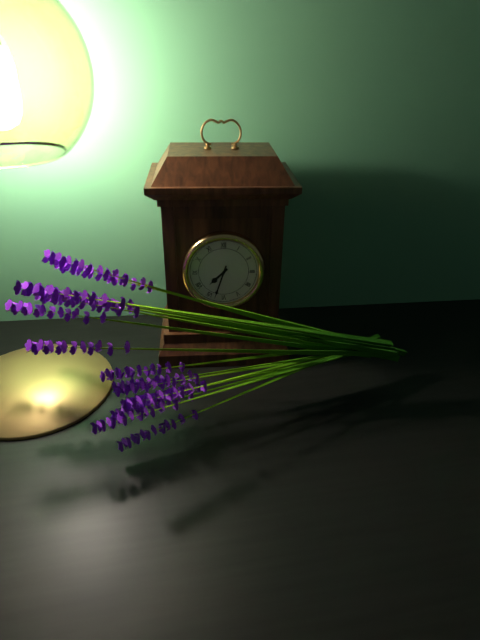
{"hour": 7, "minute": 33}
